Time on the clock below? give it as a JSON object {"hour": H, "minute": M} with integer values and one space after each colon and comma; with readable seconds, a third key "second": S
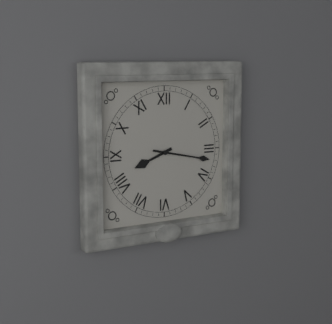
{"hour": 8, "minute": 17}
